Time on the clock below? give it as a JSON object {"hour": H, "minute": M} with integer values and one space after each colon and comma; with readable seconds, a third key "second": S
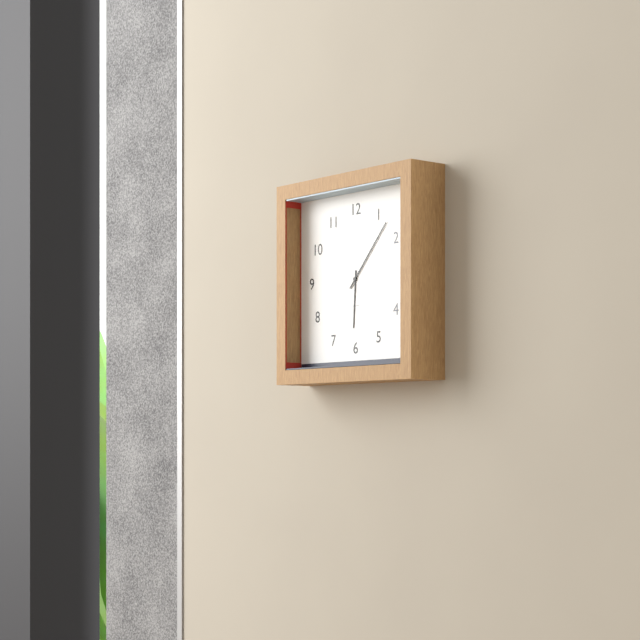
{"hour": 6, "minute": 7}
